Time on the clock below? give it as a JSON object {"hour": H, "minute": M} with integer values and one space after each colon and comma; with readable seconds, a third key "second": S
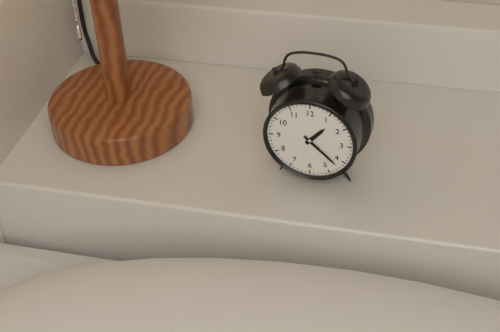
{"hour": 1, "minute": 22}
